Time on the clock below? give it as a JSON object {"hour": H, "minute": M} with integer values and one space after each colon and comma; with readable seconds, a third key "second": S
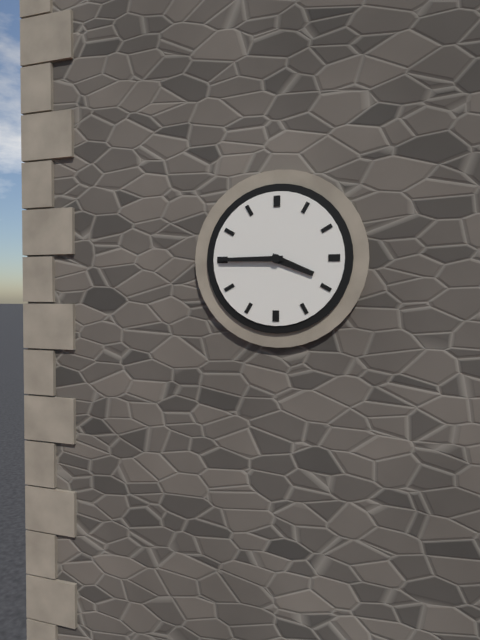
{"hour": 3, "minute": 45}
